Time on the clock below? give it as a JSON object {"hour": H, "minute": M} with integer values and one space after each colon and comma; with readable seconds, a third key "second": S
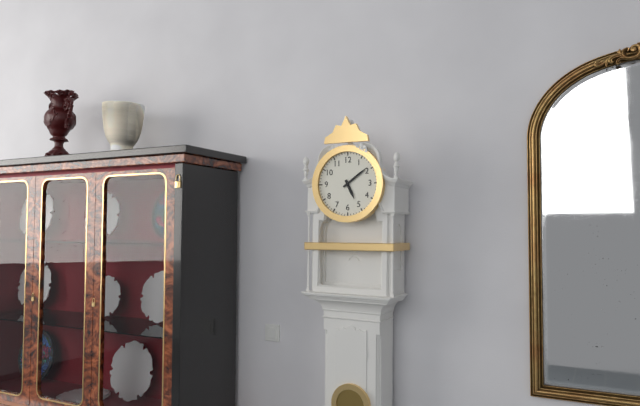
{"hour": 5, "minute": 9}
